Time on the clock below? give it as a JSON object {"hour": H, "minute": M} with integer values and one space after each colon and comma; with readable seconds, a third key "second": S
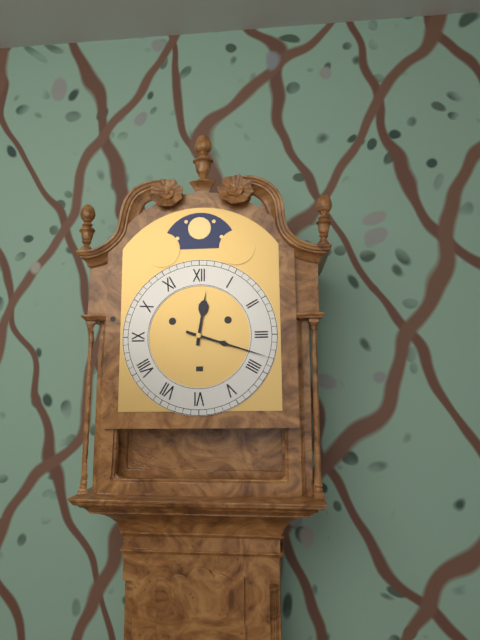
{"hour": 12, "minute": 18}
